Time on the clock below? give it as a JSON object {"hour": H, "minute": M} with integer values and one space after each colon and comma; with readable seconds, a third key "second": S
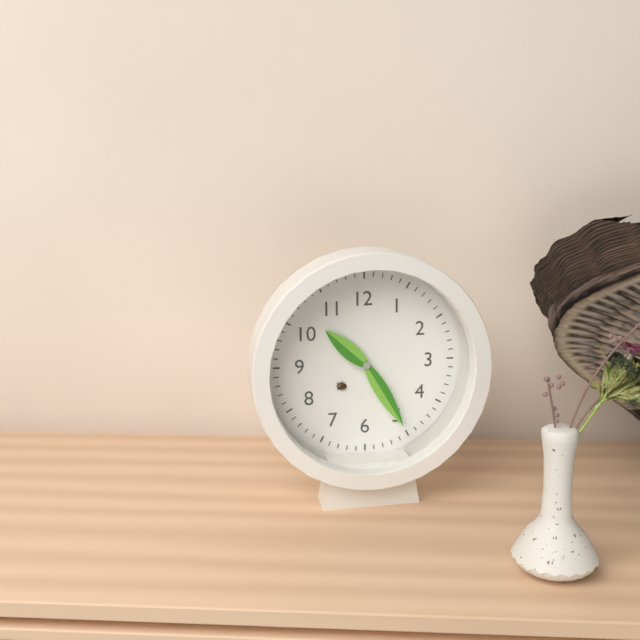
{"hour": 10, "minute": 25}
